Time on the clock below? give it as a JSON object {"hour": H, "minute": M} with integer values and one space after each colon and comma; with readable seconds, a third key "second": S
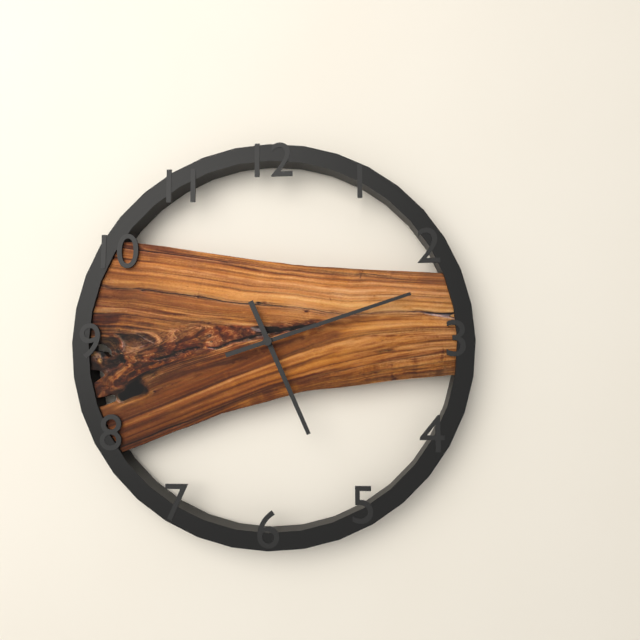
{"hour": 5, "minute": 12}
